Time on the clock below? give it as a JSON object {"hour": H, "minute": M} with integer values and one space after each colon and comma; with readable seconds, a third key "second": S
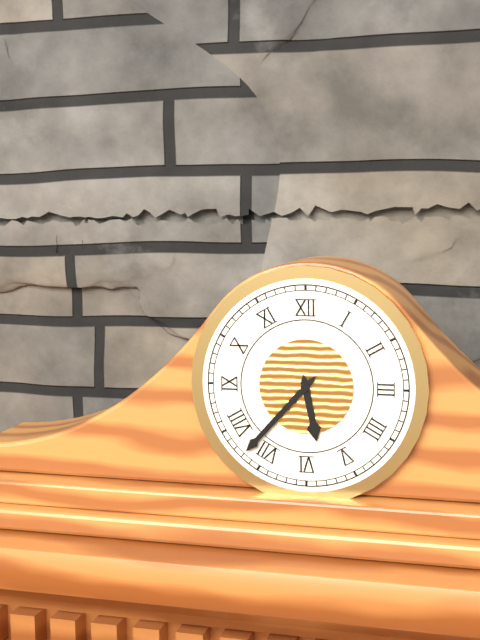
{"hour": 5, "minute": 37}
